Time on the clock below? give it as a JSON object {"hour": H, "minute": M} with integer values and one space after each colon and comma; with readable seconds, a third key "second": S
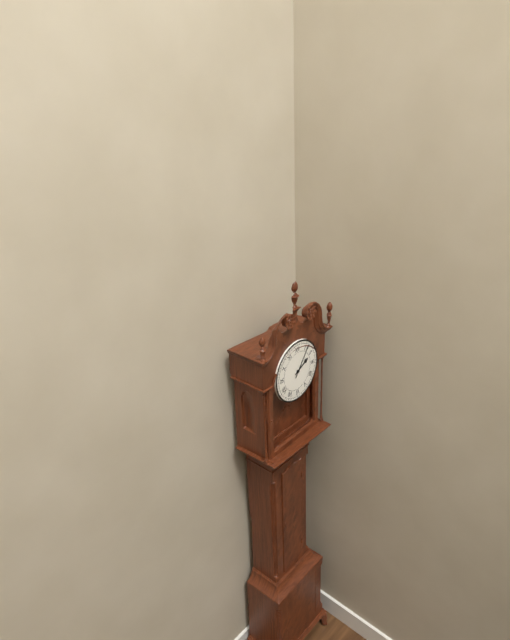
{"hour": 2, "minute": 6}
